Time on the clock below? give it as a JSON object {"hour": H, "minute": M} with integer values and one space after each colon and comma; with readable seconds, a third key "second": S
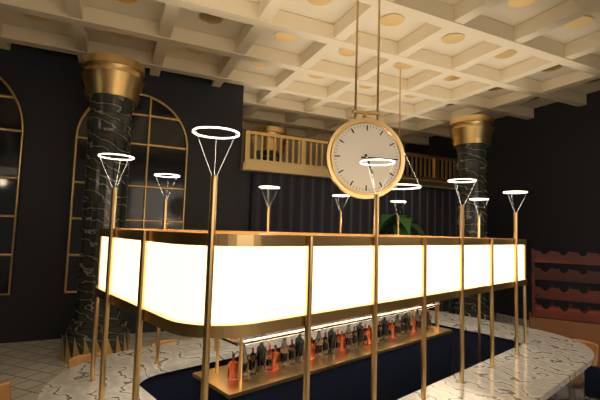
{"hour": 5, "minute": 15}
